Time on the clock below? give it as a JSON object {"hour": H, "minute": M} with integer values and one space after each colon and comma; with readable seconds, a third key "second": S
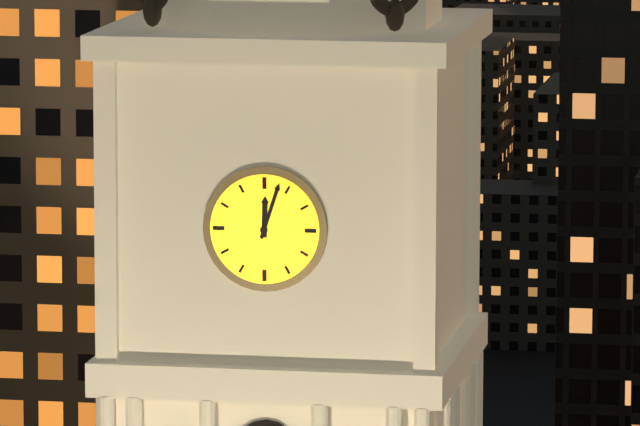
{"hour": 12, "minute": 3}
